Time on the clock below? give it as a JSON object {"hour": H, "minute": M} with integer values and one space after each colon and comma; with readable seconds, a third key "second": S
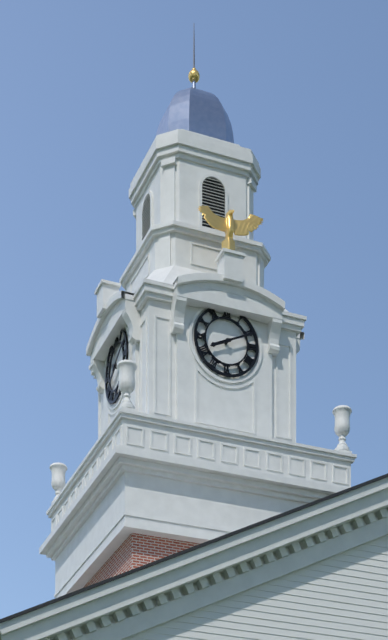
{"hour": 8, "minute": 11}
